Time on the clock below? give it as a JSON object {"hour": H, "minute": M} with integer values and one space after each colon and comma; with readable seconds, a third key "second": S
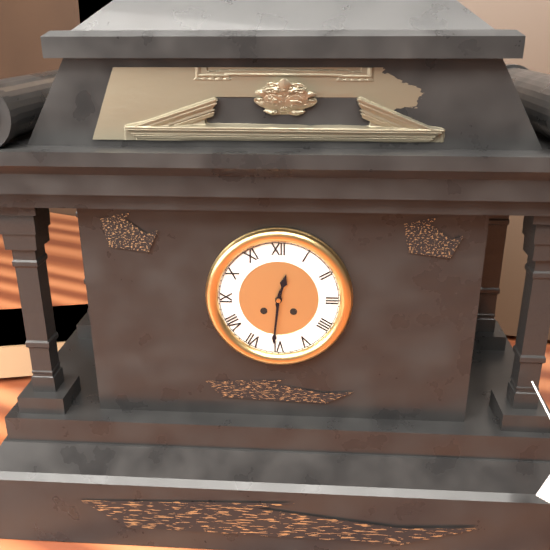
{"hour": 12, "minute": 31}
